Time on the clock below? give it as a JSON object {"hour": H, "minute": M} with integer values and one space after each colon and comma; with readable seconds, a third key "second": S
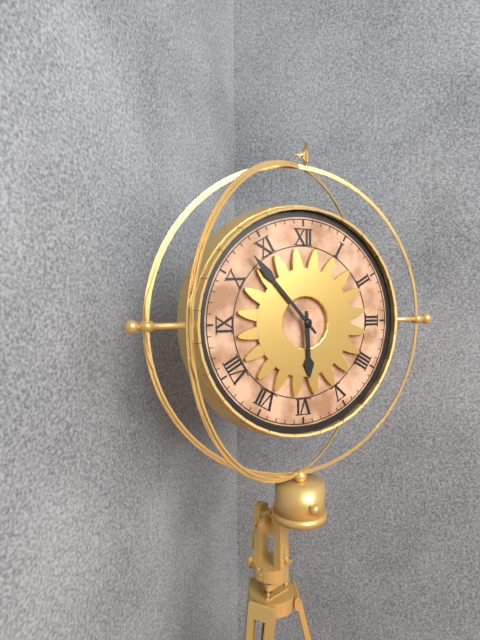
{"hour": 5, "minute": 53}
